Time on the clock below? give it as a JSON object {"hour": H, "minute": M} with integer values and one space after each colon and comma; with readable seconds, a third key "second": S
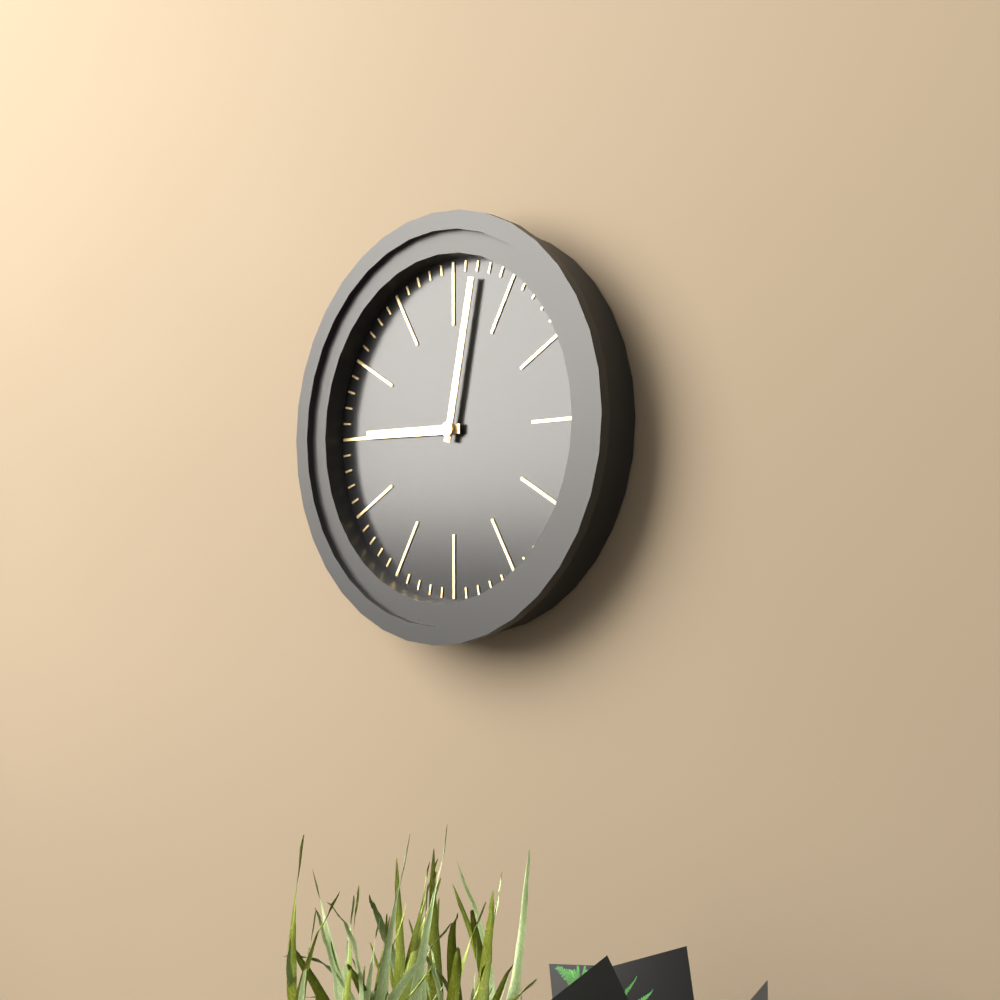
{"hour": 9, "minute": 2}
